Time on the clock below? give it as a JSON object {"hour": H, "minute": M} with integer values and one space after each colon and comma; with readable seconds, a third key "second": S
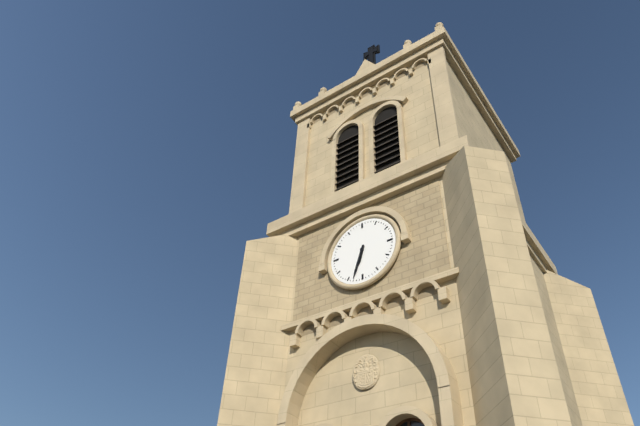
{"hour": 6, "minute": 33}
